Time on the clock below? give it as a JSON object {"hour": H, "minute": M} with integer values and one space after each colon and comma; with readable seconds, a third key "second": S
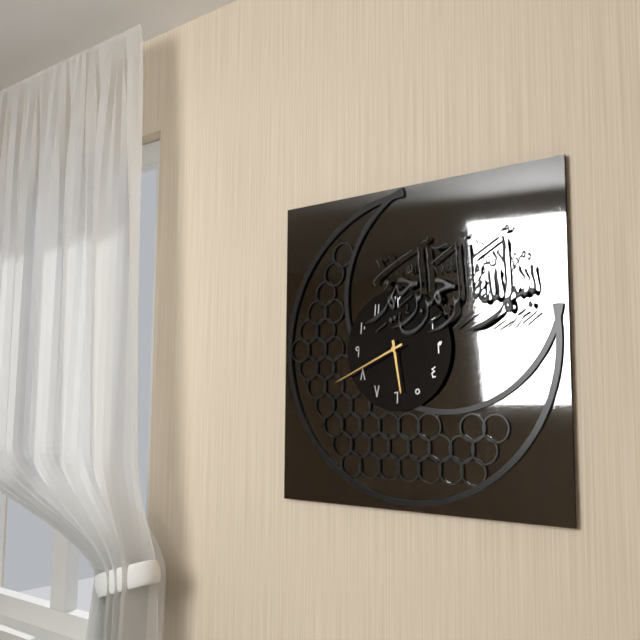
{"hour": 5, "minute": 41}
